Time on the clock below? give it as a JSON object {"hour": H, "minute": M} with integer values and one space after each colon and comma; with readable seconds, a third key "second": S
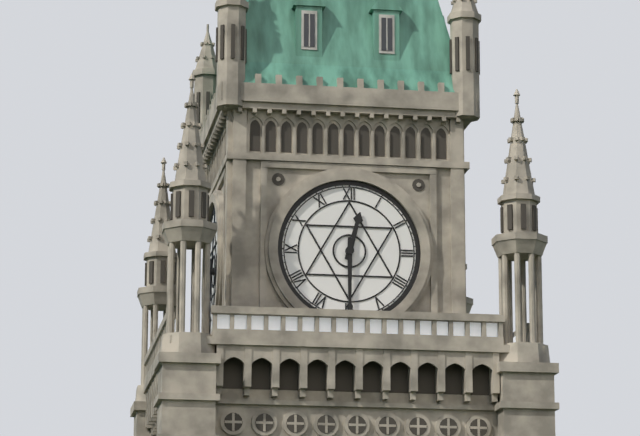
{"hour": 12, "minute": 30}
